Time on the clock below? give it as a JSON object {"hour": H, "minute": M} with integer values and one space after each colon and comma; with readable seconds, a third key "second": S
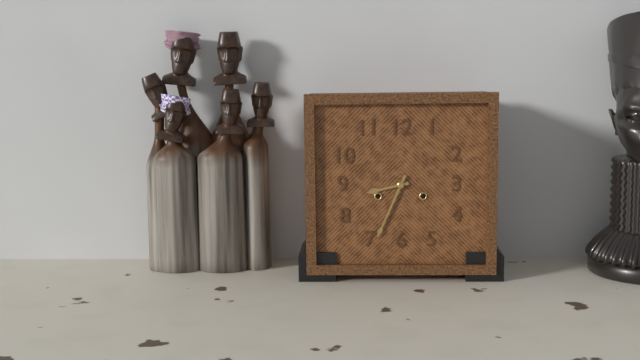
{"hour": 8, "minute": 34}
